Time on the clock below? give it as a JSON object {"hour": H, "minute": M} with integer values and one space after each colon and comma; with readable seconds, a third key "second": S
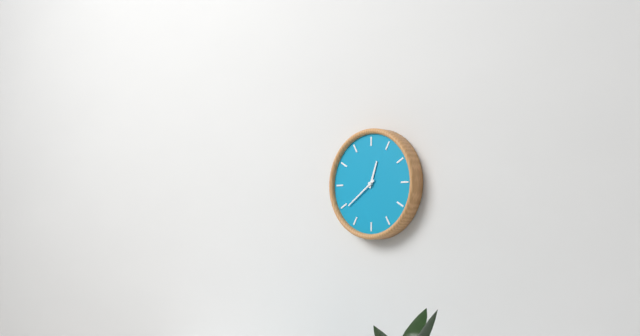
{"hour": 12, "minute": 39}
